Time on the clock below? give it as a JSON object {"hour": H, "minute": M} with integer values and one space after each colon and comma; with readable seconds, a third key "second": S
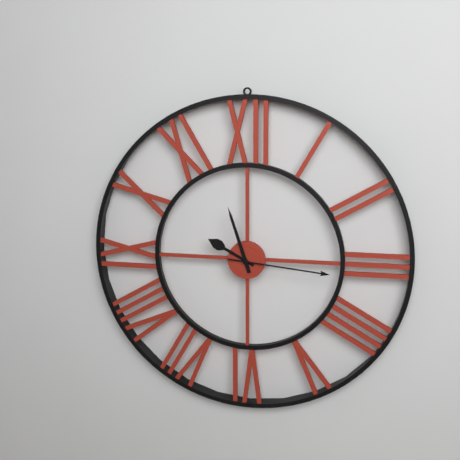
{"hour": 9, "minute": 57, "second": 16}
